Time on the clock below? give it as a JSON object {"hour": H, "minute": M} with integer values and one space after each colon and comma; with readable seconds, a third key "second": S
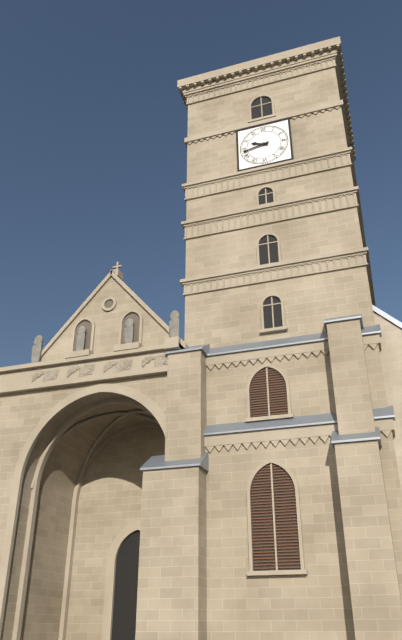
{"hour": 9, "minute": 43}
